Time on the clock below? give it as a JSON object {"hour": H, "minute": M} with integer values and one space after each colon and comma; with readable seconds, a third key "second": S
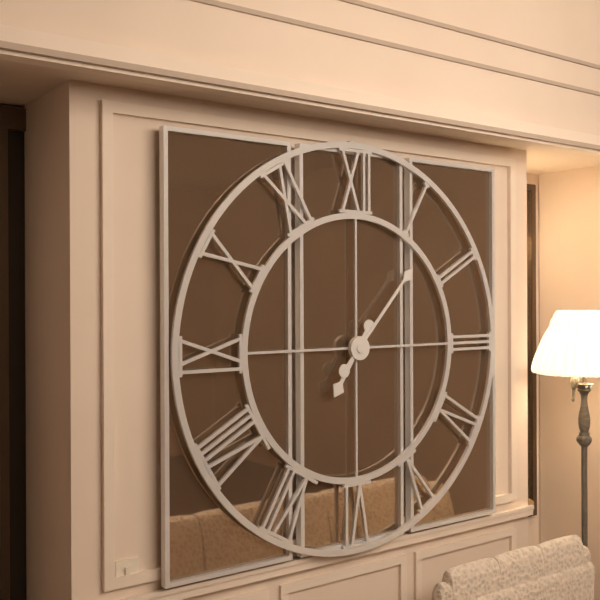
{"hour": 7, "minute": 7}
